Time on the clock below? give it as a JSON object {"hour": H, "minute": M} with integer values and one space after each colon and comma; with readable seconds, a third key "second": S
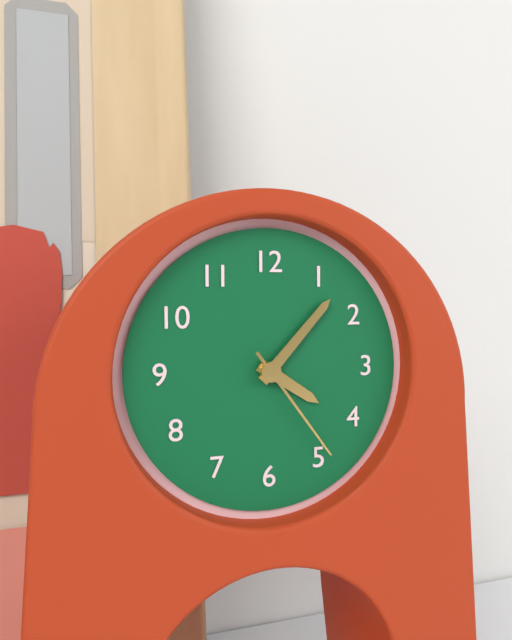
{"hour": 4, "minute": 7, "second": 24}
